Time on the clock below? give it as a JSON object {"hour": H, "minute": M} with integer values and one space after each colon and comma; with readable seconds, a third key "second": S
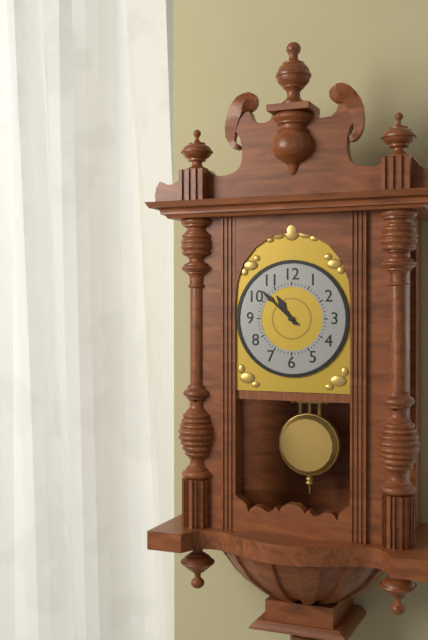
{"hour": 10, "minute": 52}
